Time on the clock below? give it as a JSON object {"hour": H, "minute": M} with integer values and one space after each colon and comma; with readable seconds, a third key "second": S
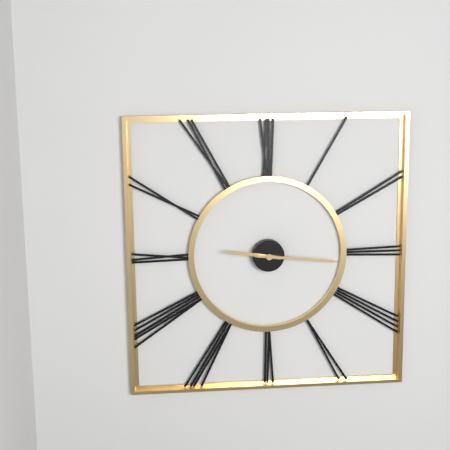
{"hour": 9, "minute": 16}
